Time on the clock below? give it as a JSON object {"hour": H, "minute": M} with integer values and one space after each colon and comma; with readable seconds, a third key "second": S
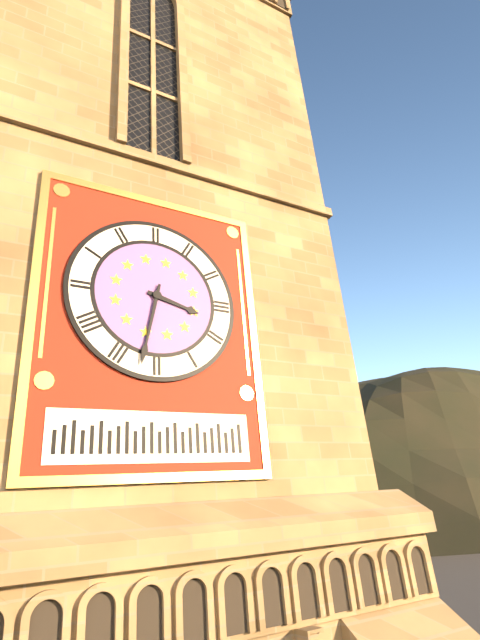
{"hour": 3, "minute": 32}
